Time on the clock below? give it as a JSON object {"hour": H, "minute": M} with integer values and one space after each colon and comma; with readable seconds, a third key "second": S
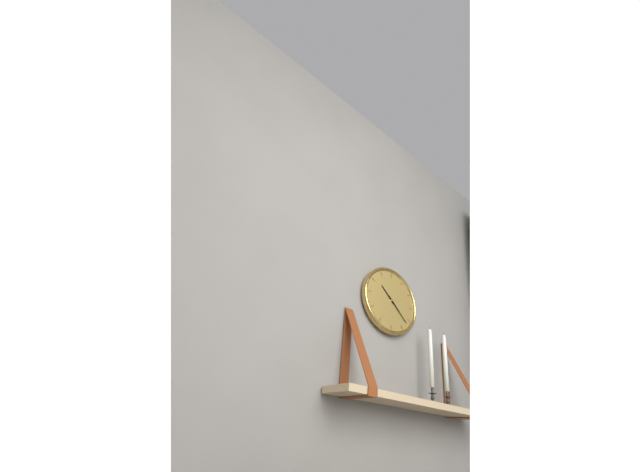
{"hour": 10, "minute": 22}
